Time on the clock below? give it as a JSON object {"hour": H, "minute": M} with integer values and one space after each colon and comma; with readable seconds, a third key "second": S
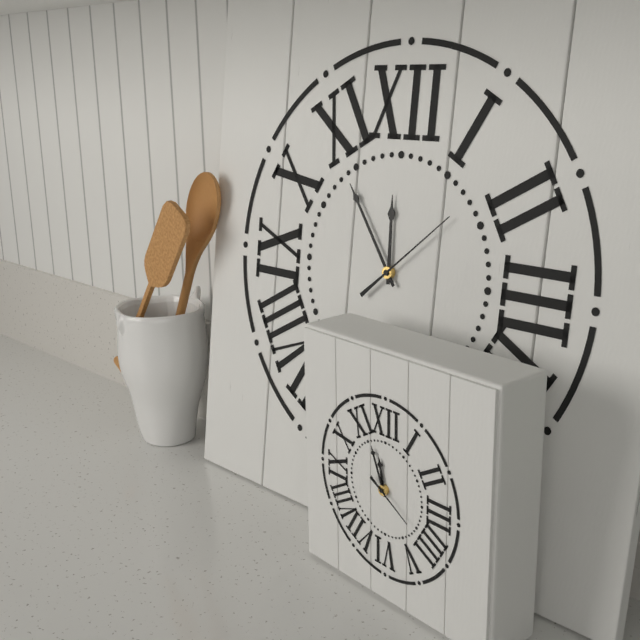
{"hour": 11, "minute": 54, "second": 8}
